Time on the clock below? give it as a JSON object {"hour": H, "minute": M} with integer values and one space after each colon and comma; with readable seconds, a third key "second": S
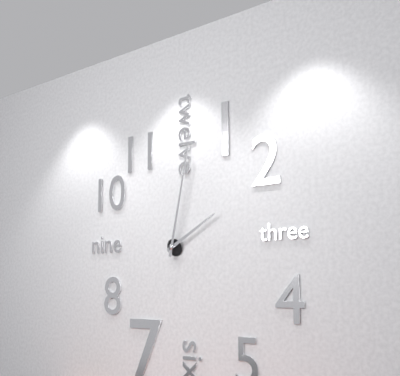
{"hour": 2, "minute": 2}
